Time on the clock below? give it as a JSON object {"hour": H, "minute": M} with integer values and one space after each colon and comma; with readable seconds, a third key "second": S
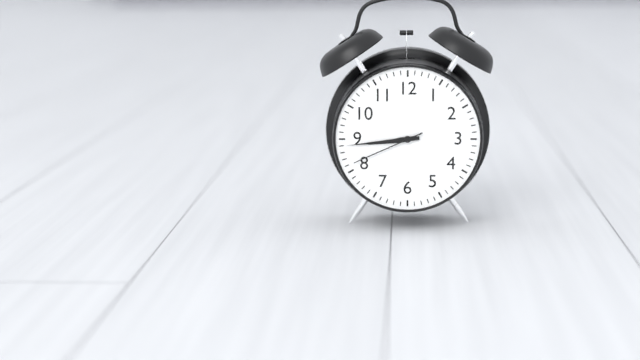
{"hour": 8, "minute": 44, "second": 41}
